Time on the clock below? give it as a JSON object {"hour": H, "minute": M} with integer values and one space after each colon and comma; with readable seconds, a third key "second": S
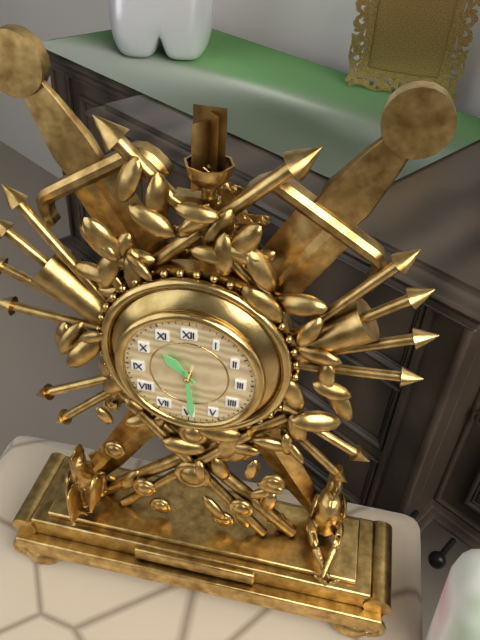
{"hour": 10, "minute": 29}
